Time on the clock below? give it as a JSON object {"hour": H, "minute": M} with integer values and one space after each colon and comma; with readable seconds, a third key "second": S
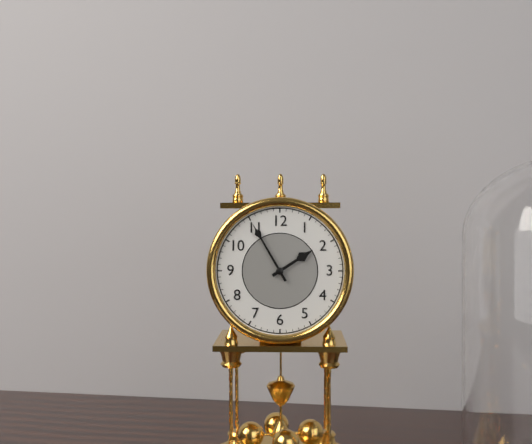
{"hour": 1, "minute": 55}
